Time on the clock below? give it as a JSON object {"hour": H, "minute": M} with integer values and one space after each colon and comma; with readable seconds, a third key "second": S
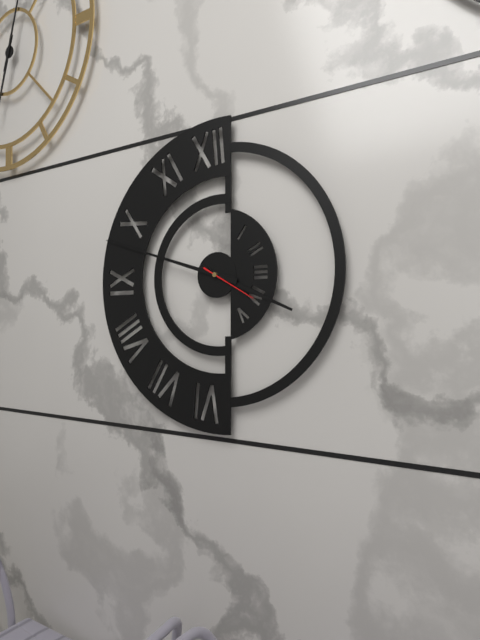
{"hour": 3, "minute": 48, "second": 20}
